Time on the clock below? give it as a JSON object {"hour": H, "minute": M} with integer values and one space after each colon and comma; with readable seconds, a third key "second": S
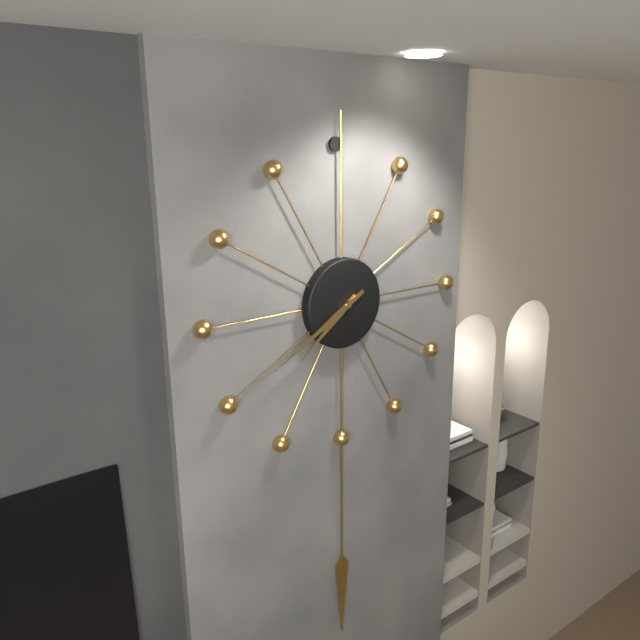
{"hour": 7, "minute": 40}
